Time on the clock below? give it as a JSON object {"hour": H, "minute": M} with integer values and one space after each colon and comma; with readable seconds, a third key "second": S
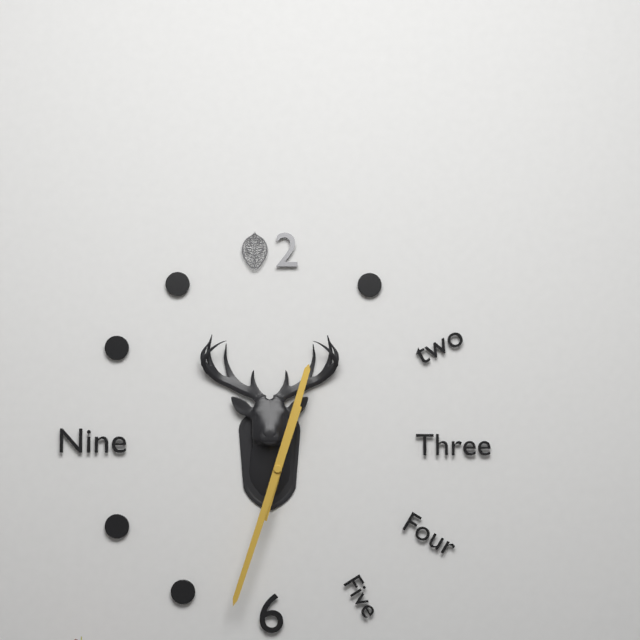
{"hour": 12, "minute": 33}
